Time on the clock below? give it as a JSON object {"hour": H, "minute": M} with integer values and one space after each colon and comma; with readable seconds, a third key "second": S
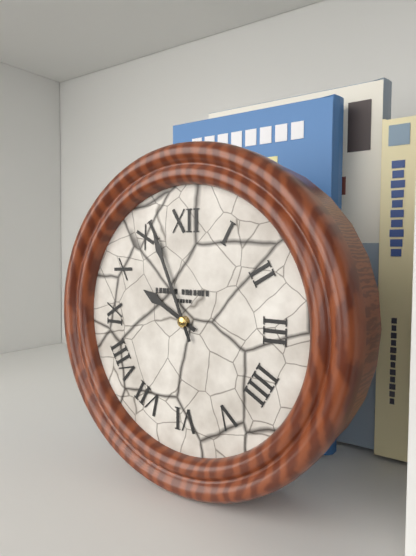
{"hour": 9, "minute": 56}
